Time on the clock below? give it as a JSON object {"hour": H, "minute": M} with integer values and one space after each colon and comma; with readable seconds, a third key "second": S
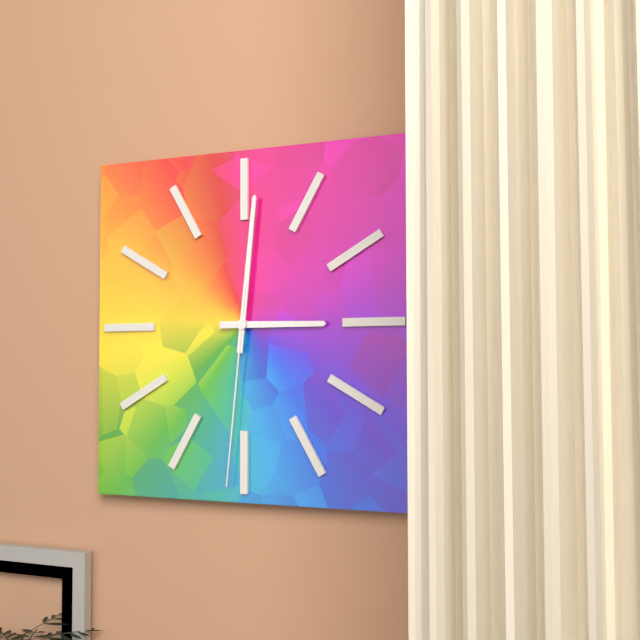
{"hour": 3, "minute": 1, "second": 31}
